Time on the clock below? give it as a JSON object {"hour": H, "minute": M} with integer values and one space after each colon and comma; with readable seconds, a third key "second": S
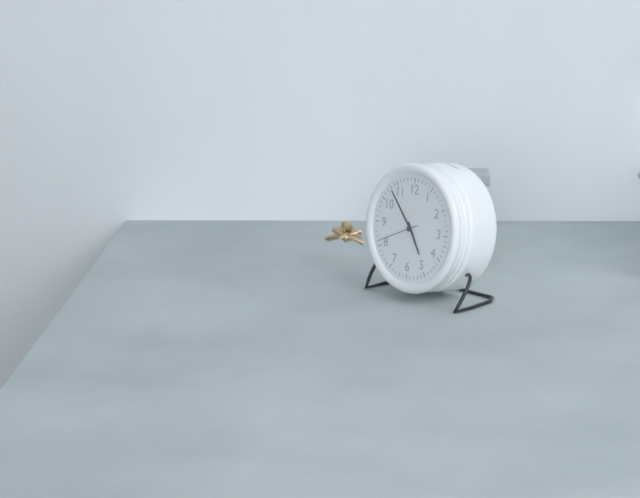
{"hour": 4, "minute": 53}
